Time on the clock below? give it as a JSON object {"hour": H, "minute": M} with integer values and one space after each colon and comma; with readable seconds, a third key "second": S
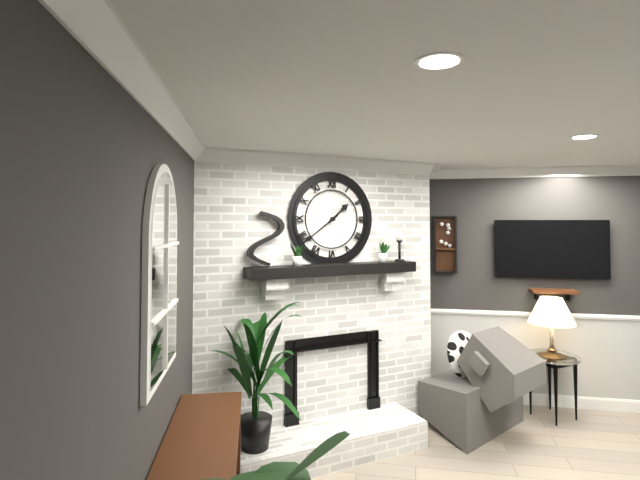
{"hour": 1, "minute": 39}
